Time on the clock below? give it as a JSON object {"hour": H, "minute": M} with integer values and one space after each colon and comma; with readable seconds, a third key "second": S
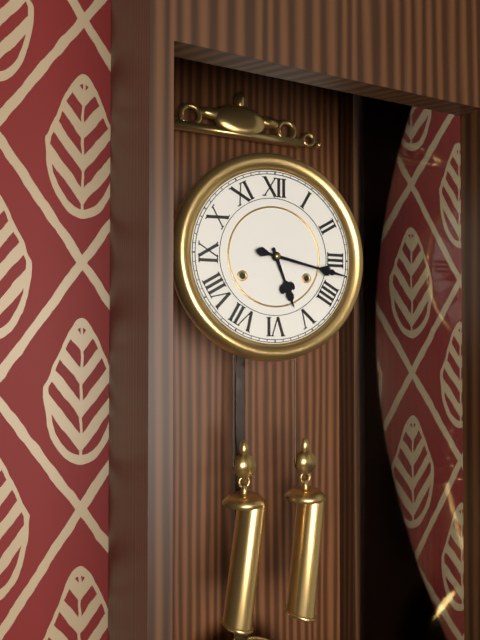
{"hour": 5, "minute": 17}
